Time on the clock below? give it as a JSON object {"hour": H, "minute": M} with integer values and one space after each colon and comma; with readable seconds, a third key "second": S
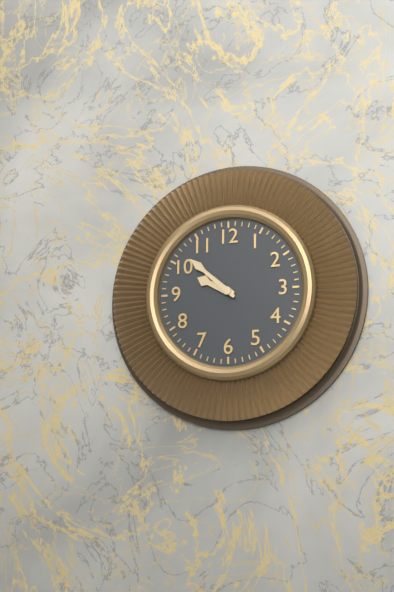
{"hour": 9, "minute": 52}
